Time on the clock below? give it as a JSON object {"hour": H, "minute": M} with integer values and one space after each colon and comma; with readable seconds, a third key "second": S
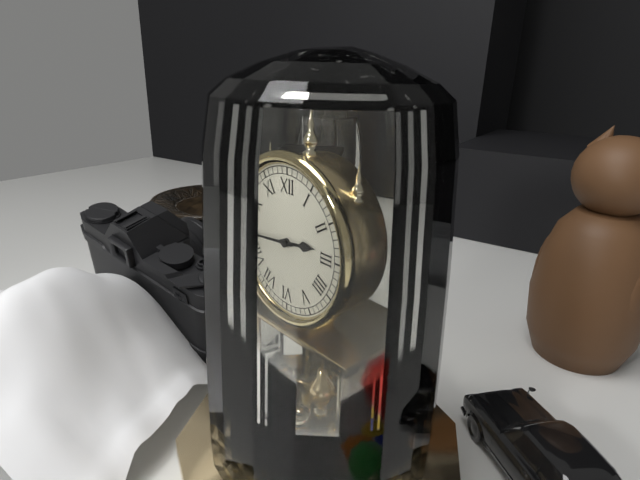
{"hour": 2, "minute": 44}
